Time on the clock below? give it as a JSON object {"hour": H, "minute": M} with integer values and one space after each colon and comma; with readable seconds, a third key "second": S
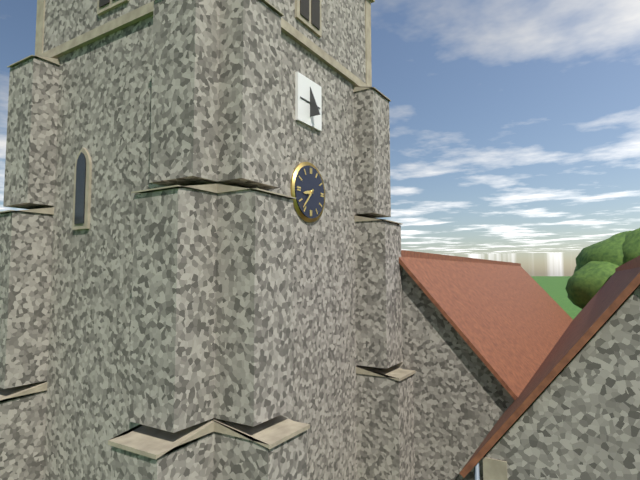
{"hour": 8, "minute": 37}
